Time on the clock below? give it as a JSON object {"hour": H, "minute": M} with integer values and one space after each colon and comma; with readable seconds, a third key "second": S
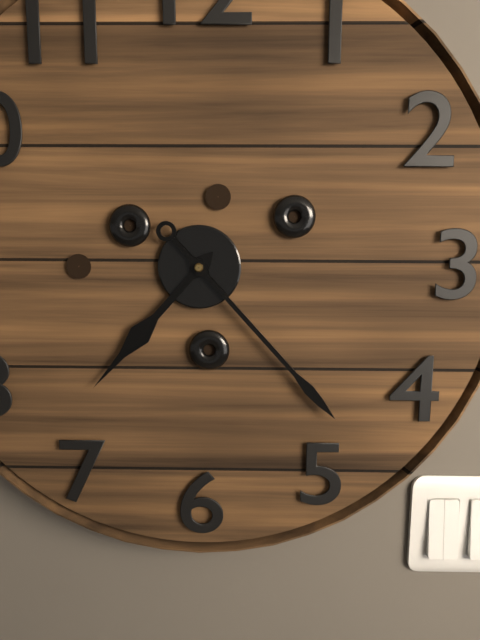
{"hour": 7, "minute": 23}
